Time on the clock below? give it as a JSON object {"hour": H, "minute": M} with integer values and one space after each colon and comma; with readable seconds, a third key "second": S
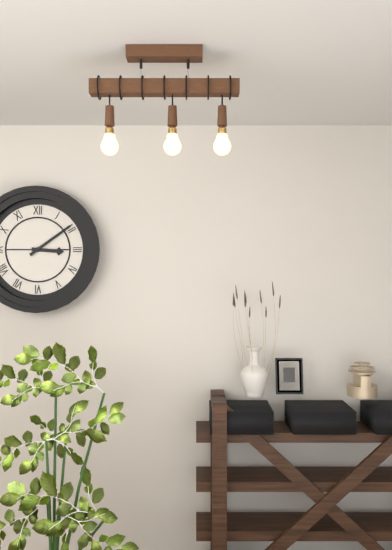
{"hour": 3, "minute": 9}
